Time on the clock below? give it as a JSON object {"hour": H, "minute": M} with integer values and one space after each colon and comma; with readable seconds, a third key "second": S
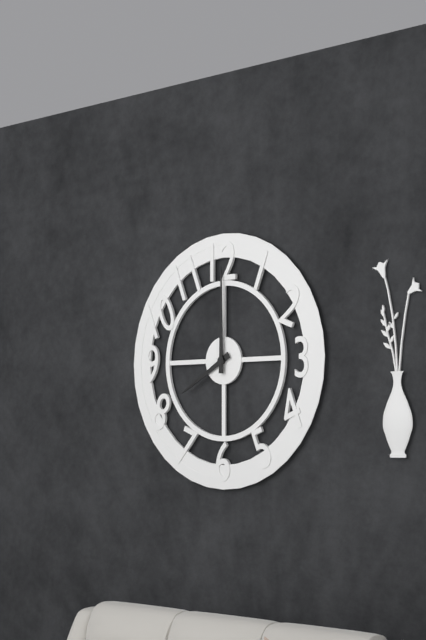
{"hour": 8, "minute": 0}
